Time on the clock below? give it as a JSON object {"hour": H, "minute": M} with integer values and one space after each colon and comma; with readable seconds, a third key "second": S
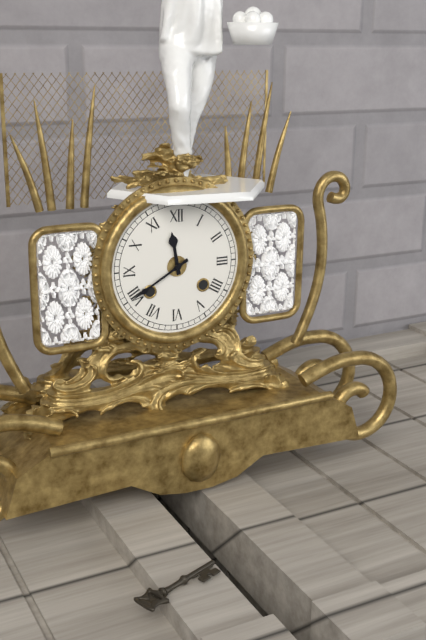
{"hour": 11, "minute": 40}
